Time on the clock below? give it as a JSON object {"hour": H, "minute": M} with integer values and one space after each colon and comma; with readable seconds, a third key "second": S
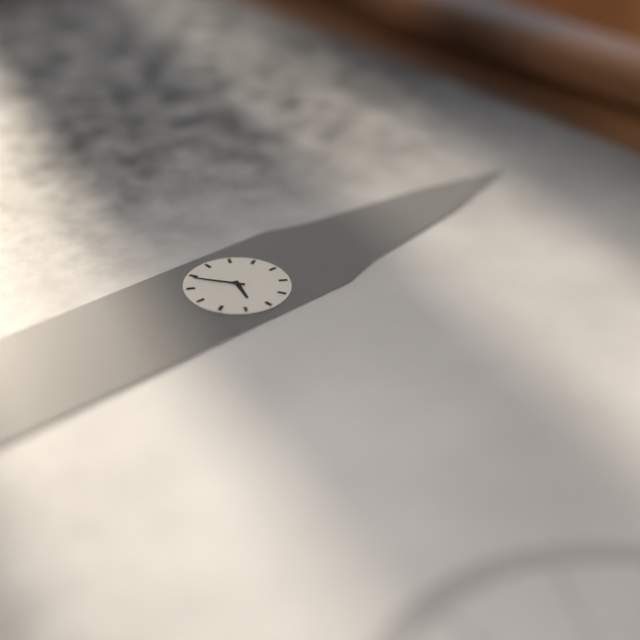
{"hour": 3, "minute": 39}
